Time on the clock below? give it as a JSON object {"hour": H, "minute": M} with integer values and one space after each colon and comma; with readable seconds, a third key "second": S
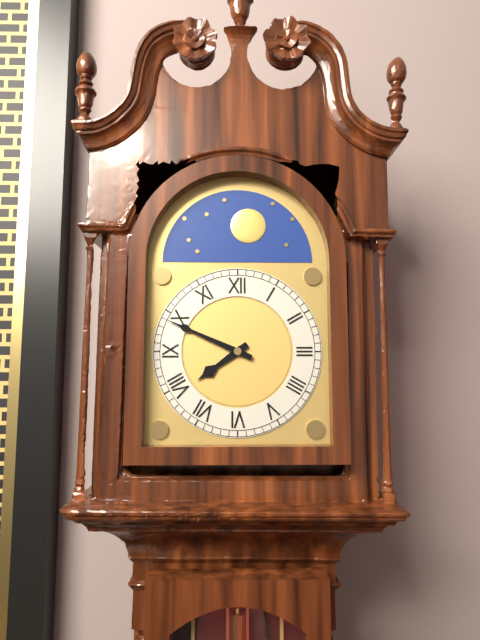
{"hour": 7, "minute": 49}
